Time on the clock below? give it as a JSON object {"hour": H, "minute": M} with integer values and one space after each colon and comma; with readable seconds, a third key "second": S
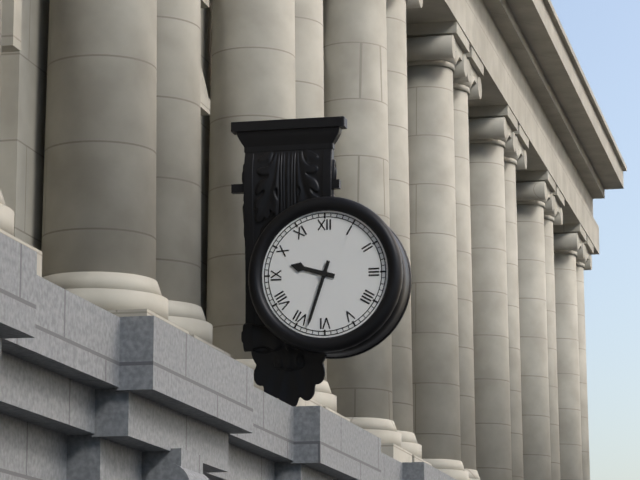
{"hour": 9, "minute": 33}
